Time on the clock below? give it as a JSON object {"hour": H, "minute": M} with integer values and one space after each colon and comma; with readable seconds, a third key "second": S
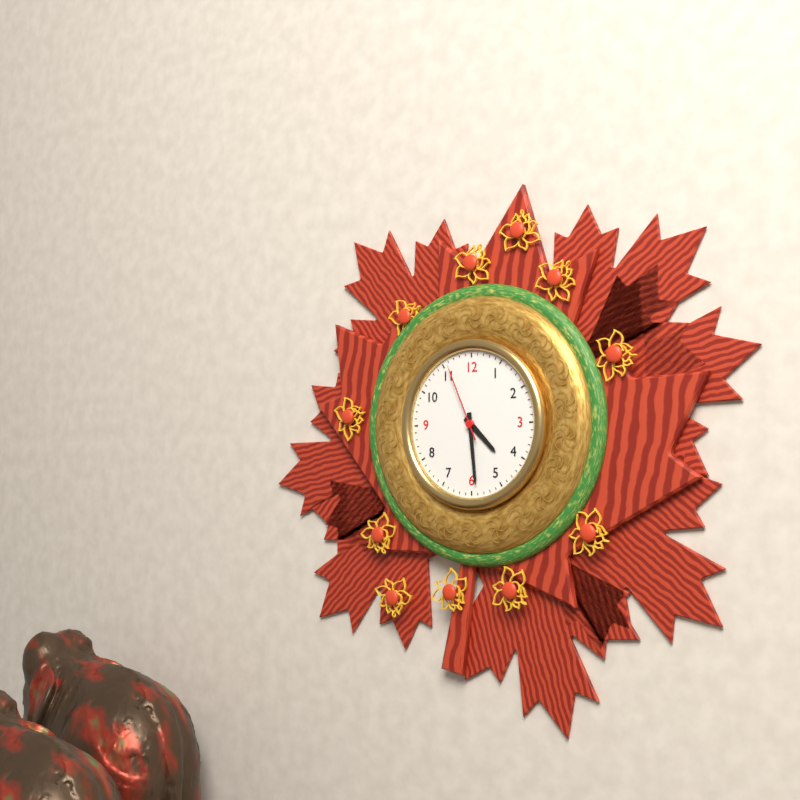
{"hour": 4, "minute": 29, "second": 56}
